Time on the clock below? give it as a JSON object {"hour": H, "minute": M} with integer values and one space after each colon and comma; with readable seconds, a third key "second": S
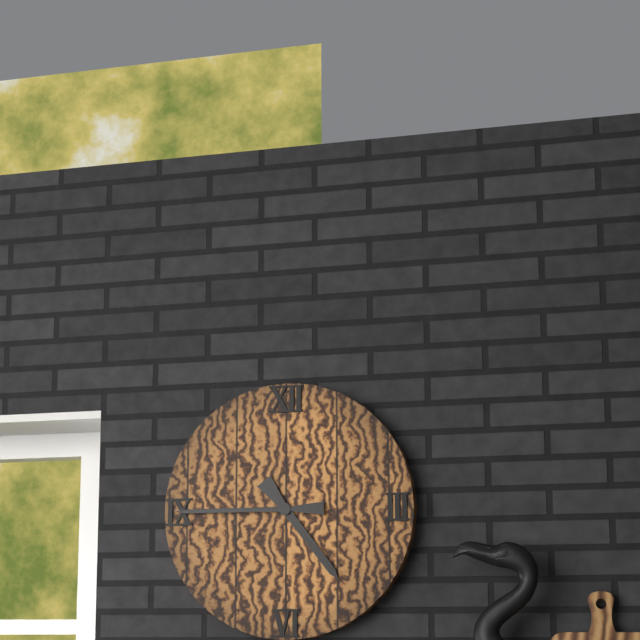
{"hour": 4, "minute": 45}
